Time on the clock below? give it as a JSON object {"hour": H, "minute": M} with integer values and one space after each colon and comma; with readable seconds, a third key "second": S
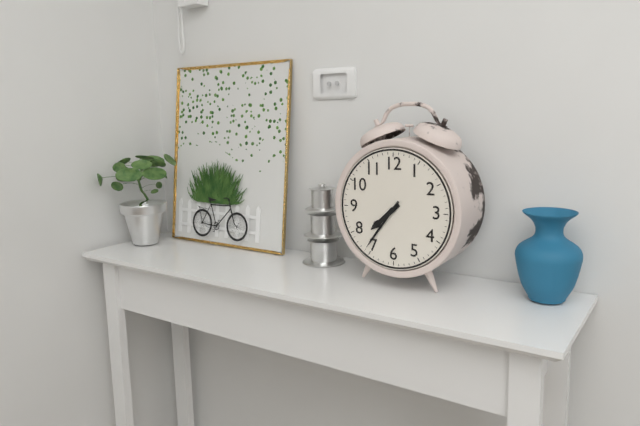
{"hour": 7, "minute": 36}
